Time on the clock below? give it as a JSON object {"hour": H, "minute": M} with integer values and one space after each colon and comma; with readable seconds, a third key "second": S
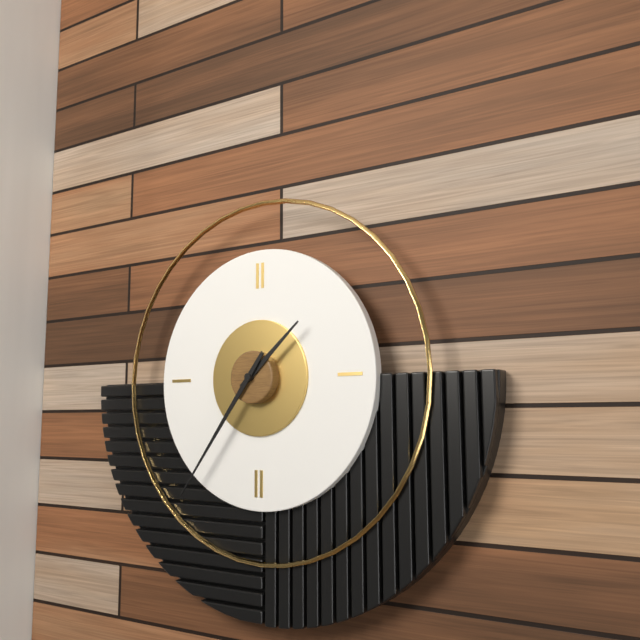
{"hour": 1, "minute": 36}
